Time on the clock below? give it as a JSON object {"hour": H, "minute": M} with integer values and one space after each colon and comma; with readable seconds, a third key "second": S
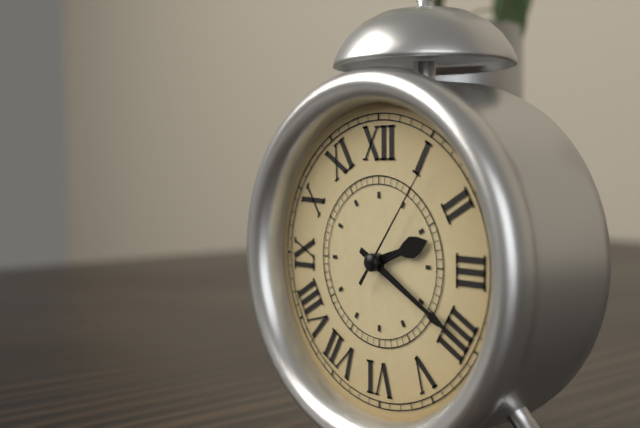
{"hour": 2, "minute": 20, "second": 6}
